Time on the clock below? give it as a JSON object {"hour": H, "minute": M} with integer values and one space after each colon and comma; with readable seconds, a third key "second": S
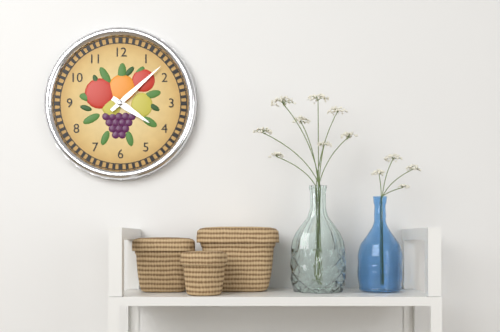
{"hour": 4, "minute": 8}
